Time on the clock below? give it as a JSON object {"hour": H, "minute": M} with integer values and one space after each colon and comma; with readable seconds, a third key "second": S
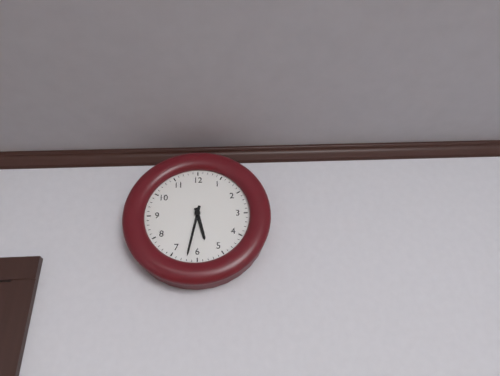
{"hour": 5, "minute": 32}
